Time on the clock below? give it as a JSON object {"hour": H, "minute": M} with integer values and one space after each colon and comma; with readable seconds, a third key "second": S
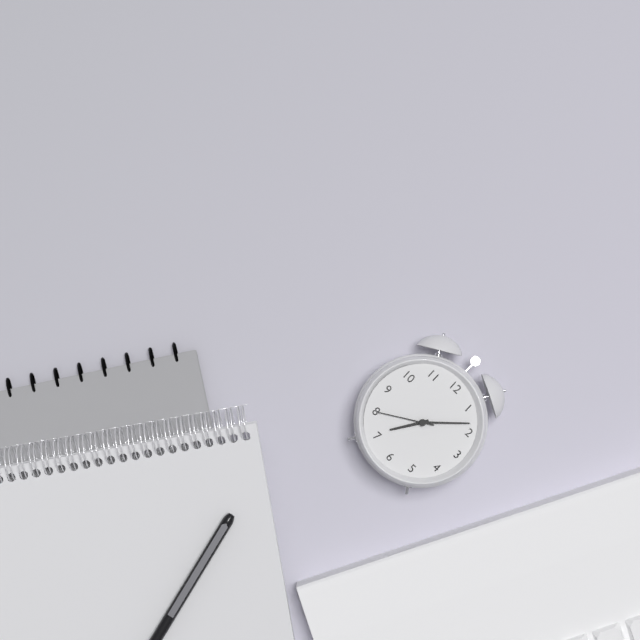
{"hour": 7, "minute": 8, "second": 40}
